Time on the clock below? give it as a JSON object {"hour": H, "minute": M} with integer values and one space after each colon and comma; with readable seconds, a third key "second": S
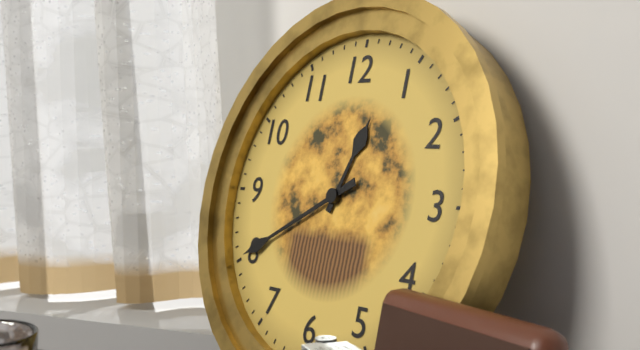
{"hour": 12, "minute": 40}
